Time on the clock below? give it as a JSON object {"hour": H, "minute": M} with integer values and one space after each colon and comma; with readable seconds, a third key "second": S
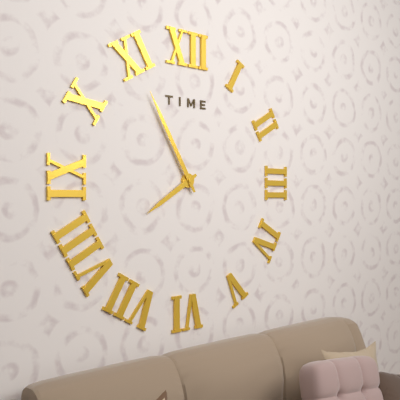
{"hour": 7, "minute": 55}
